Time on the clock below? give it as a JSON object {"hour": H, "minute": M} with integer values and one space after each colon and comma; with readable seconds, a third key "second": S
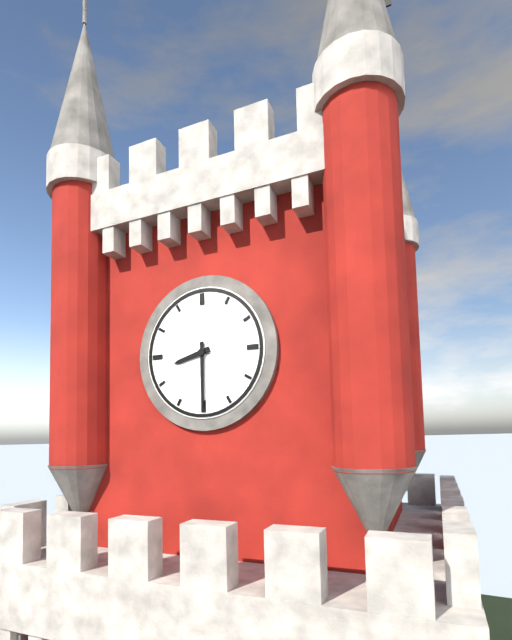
{"hour": 8, "minute": 30}
